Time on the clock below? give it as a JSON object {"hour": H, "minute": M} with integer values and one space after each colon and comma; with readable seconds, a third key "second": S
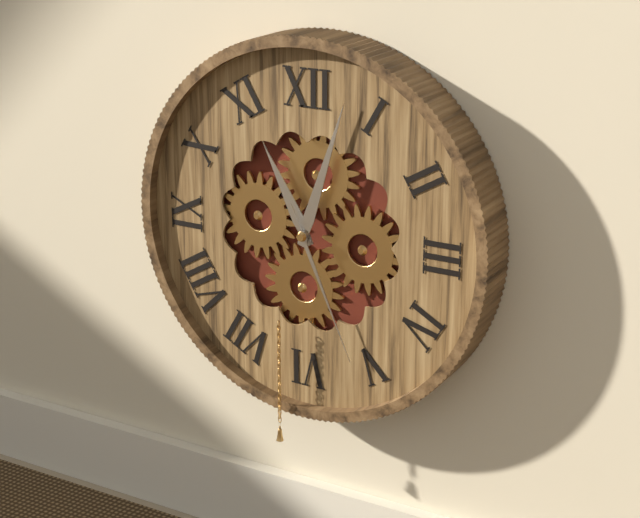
{"hour": 11, "minute": 3, "second": 26}
